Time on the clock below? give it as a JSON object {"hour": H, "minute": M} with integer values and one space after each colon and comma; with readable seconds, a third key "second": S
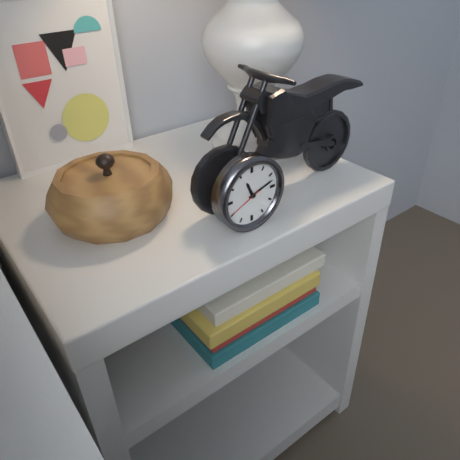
{"hour": 11, "minute": 12}
